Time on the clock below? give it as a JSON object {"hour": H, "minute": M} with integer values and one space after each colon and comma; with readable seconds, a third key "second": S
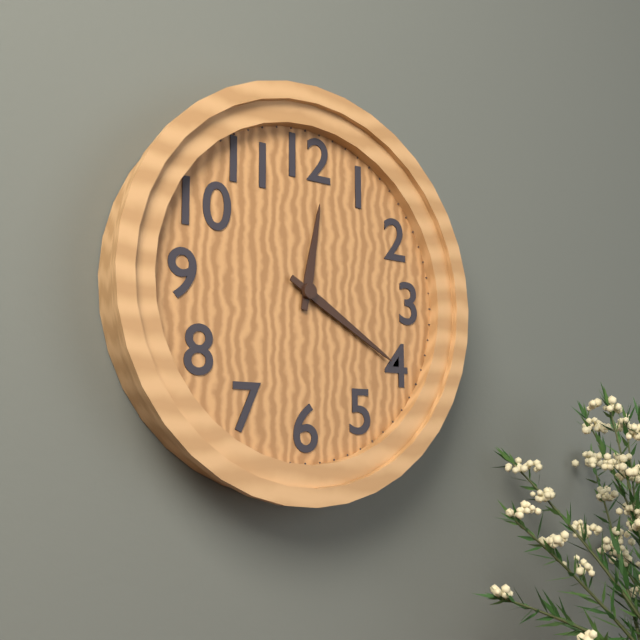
{"hour": 12, "minute": 20}
